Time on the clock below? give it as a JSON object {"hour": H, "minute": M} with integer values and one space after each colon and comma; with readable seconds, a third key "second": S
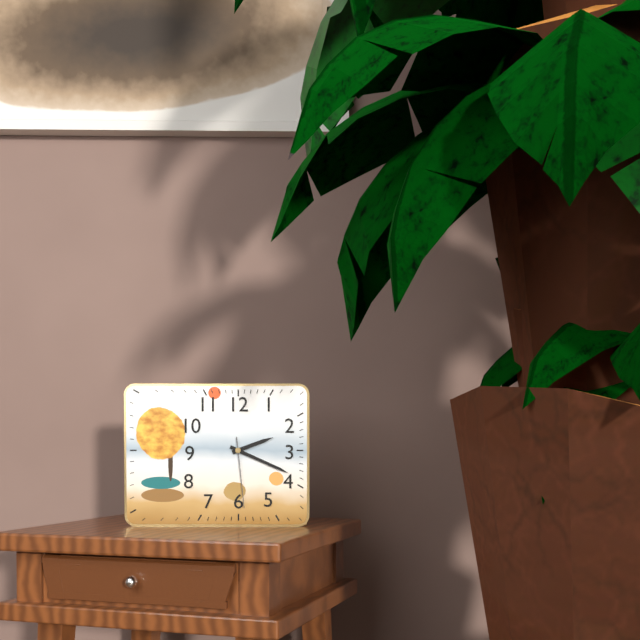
{"hour": 2, "minute": 19, "second": 29}
